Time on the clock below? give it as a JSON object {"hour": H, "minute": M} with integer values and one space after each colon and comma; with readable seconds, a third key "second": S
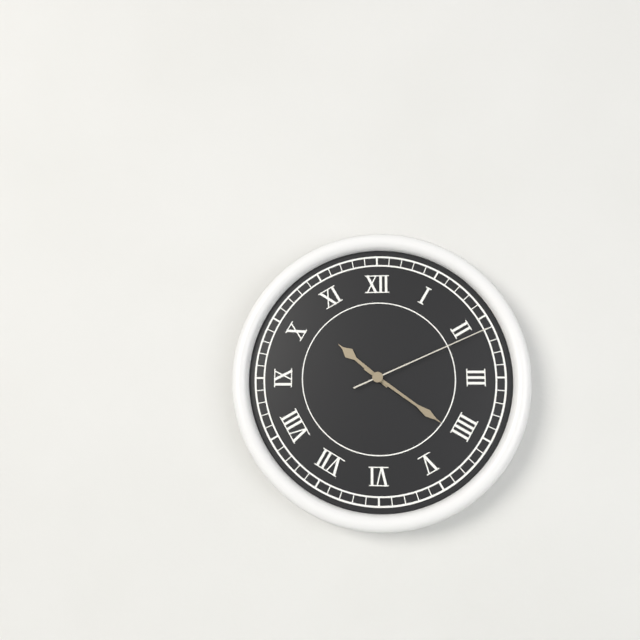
{"hour": 10, "minute": 21, "second": 11}
